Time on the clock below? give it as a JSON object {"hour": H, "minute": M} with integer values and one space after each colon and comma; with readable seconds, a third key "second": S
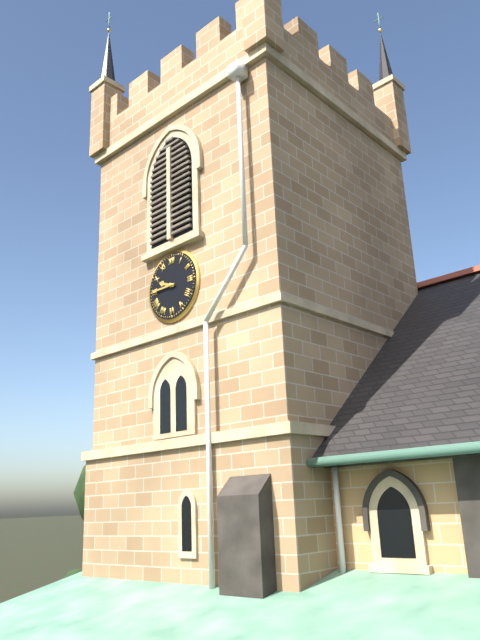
{"hour": 9, "minute": 45}
